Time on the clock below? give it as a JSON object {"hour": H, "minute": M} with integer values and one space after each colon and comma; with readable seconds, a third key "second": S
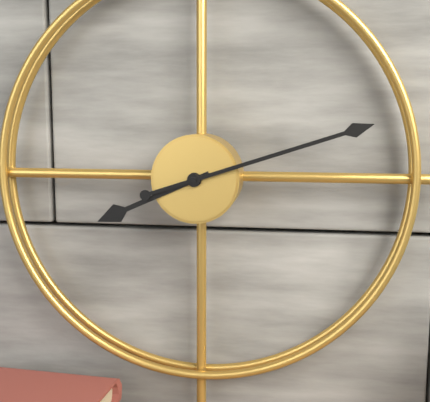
{"hour": 8, "minute": 12}
